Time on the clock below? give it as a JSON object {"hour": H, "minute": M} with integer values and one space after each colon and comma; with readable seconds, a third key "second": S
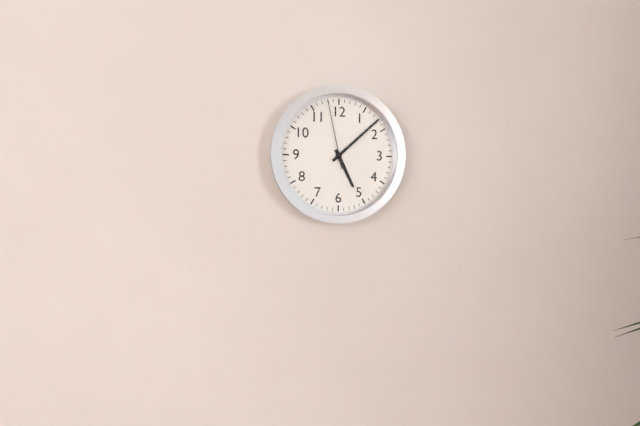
{"hour": 5, "minute": 8, "second": 58}
